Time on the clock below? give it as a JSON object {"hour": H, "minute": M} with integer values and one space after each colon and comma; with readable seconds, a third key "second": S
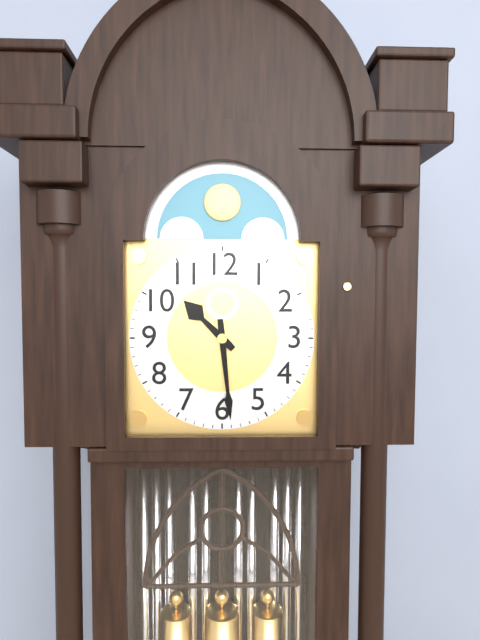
{"hour": 10, "minute": 29}
